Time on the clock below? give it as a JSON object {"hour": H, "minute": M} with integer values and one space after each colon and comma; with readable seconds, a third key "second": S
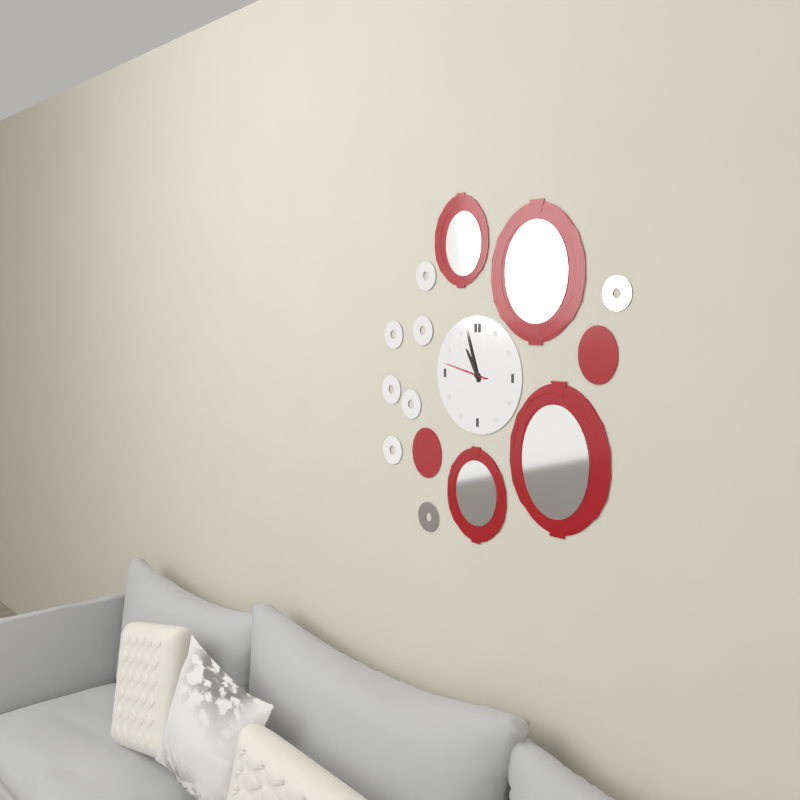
{"hour": 10, "minute": 57}
